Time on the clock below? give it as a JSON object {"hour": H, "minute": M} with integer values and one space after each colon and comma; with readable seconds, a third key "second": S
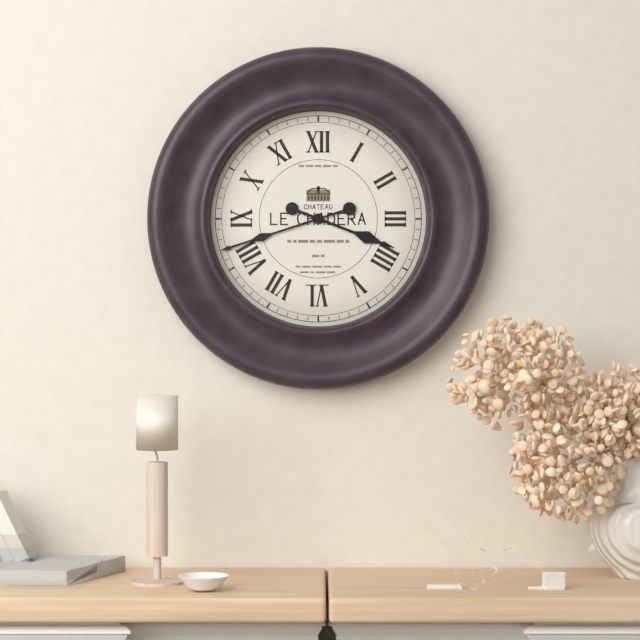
{"hour": 3, "minute": 42}
